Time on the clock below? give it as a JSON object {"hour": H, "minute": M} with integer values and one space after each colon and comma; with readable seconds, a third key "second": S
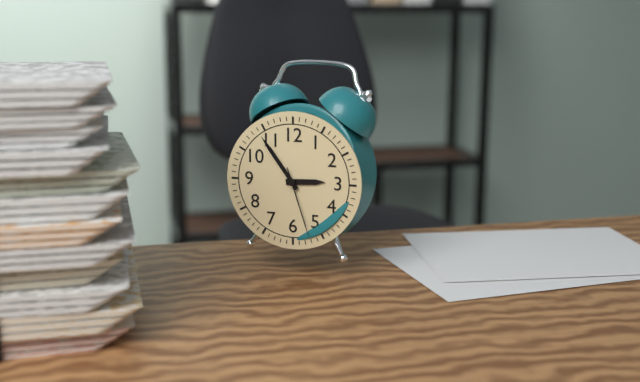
{"hour": 2, "minute": 54, "second": 27}
